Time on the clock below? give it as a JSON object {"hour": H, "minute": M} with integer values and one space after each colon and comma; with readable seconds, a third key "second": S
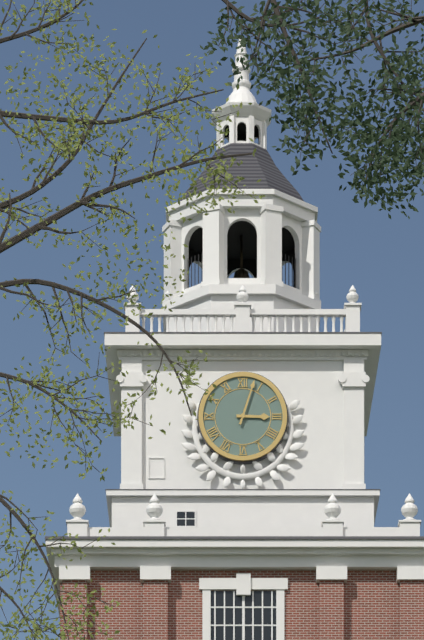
{"hour": 3, "minute": 3}
